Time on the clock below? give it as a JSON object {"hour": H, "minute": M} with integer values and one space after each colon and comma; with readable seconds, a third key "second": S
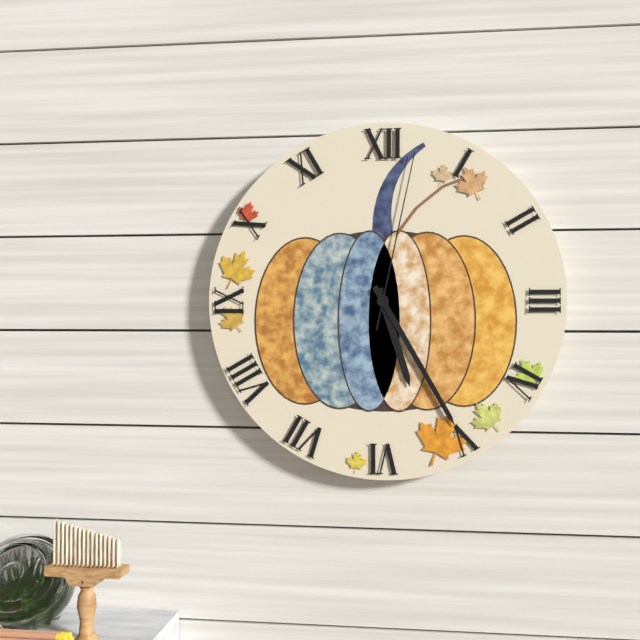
{"hour": 5, "minute": 25, "second": 2}
